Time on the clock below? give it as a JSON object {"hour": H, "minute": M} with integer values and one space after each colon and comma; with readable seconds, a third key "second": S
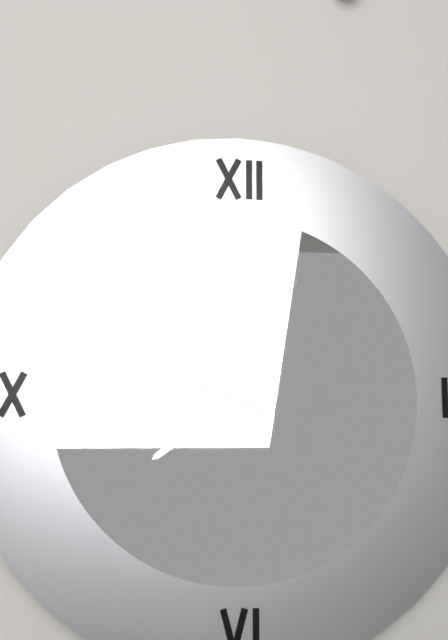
{"hour": 9, "minute": 39}
